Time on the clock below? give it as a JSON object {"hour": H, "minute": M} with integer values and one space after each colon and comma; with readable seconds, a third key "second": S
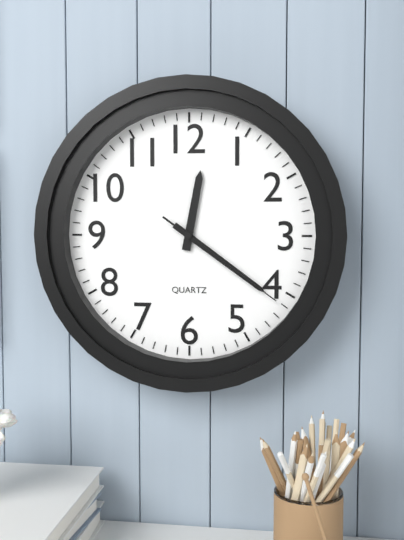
{"hour": 12, "minute": 21, "second": 21}
